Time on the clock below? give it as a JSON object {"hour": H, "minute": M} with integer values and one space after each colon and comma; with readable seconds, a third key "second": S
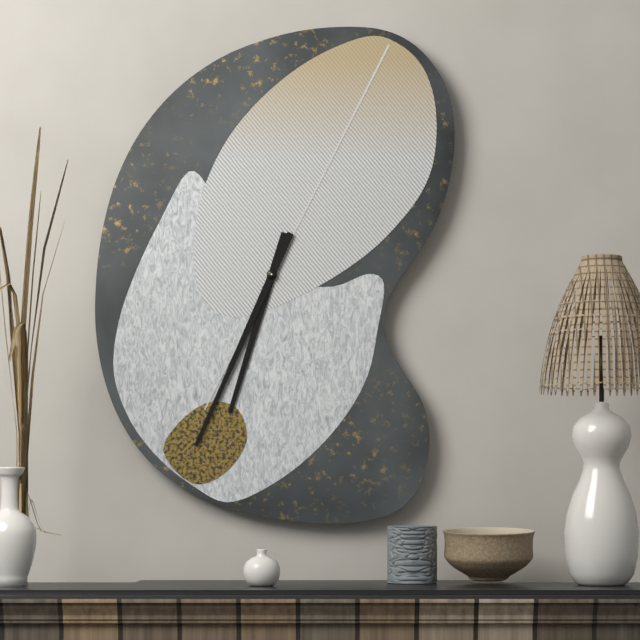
{"hour": 6, "minute": 34}
